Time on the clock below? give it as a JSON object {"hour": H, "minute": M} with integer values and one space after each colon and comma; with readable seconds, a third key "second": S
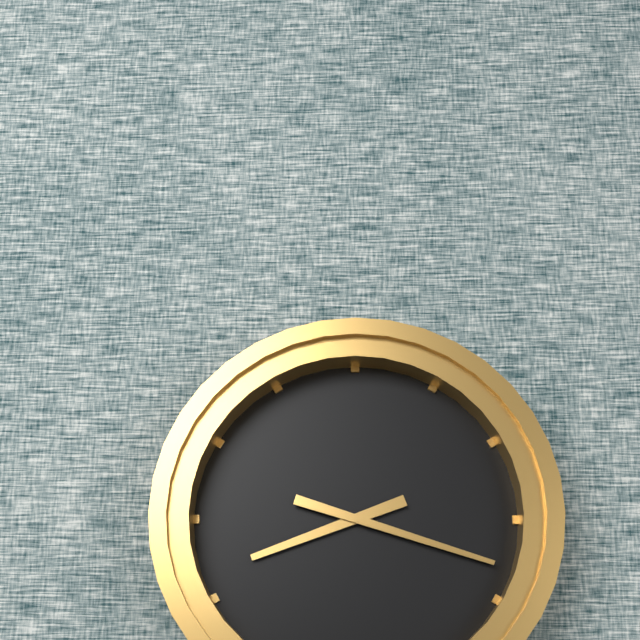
{"hour": 8, "minute": 18}
